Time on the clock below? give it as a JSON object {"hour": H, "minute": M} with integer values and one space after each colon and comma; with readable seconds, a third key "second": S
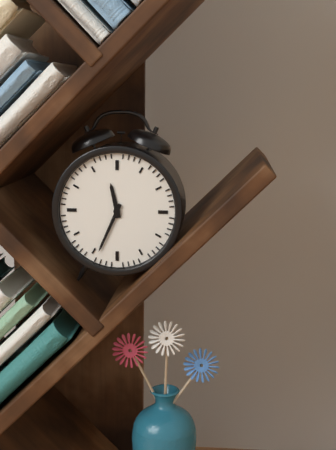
{"hour": 11, "minute": 34}
